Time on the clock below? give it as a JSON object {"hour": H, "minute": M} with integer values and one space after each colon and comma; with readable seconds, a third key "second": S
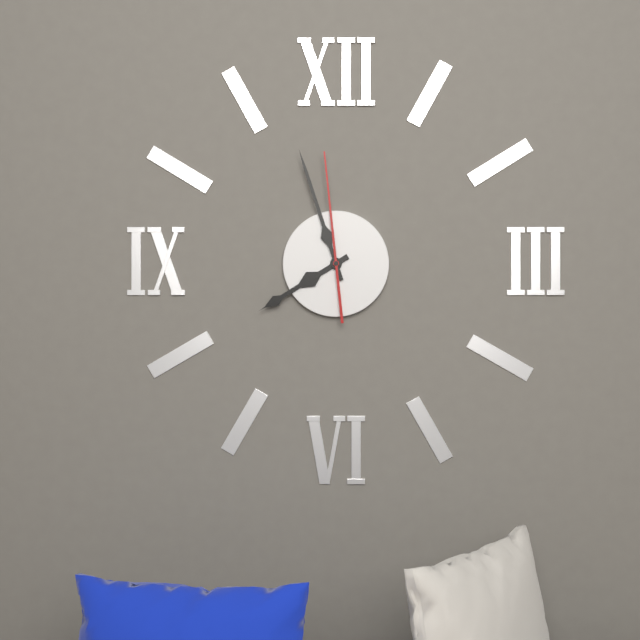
{"hour": 7, "minute": 57, "second": 59}
